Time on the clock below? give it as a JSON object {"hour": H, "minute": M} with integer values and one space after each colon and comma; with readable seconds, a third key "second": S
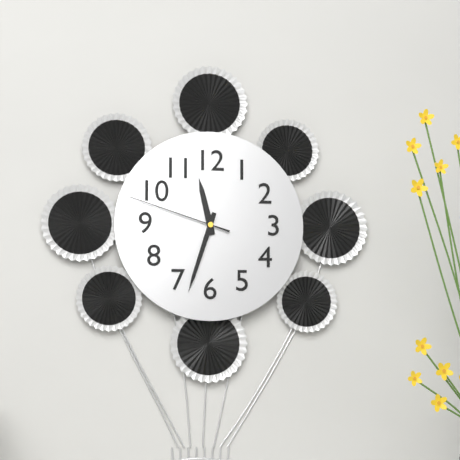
{"hour": 11, "minute": 33, "second": 48}
